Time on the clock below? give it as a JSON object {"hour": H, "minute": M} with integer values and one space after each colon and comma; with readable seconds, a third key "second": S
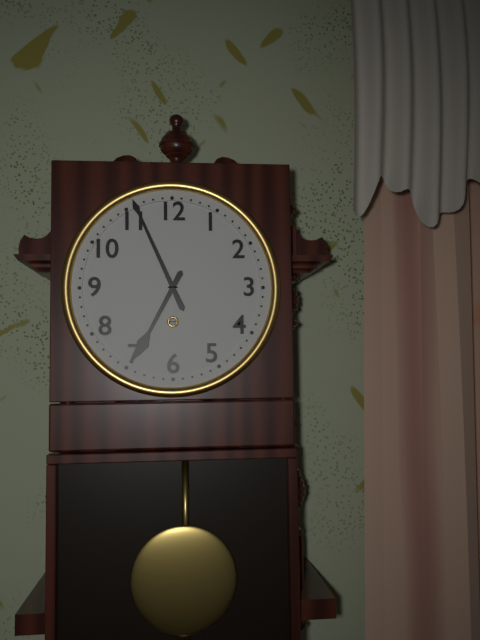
{"hour": 6, "minute": 56}
